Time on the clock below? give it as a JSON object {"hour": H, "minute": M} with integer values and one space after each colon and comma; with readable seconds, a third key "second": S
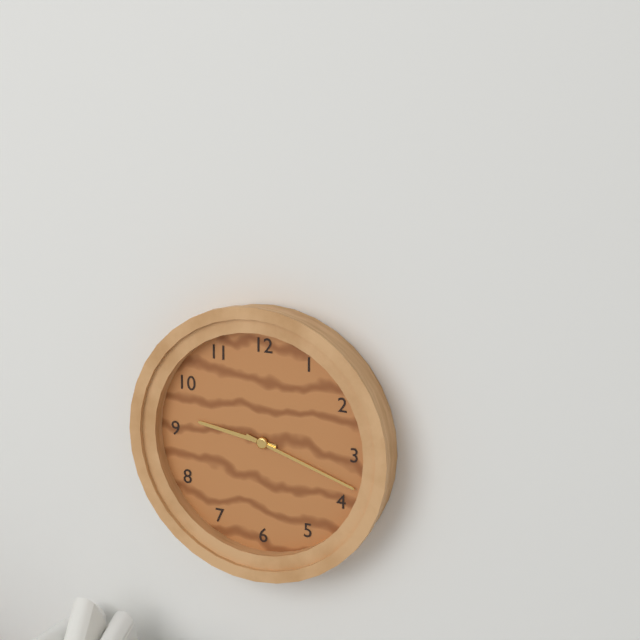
{"hour": 9, "minute": 18}
